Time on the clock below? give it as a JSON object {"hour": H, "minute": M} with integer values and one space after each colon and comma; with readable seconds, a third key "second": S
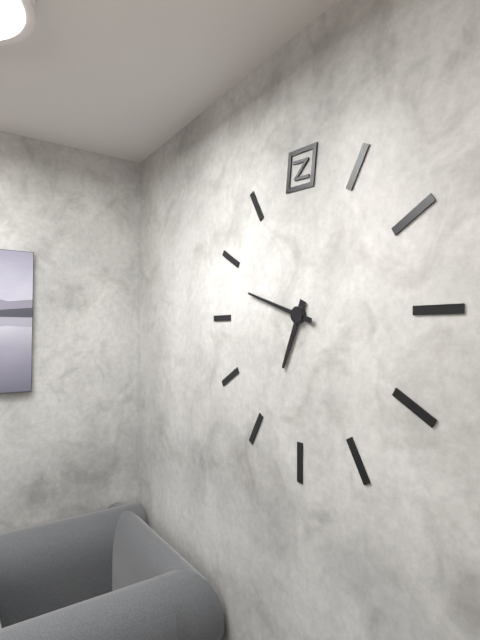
{"hour": 6, "minute": 48}
